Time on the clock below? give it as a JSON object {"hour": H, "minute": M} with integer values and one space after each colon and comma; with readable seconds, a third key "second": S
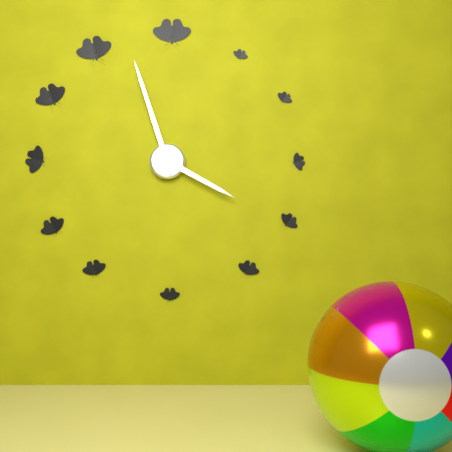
{"hour": 3, "minute": 57}
